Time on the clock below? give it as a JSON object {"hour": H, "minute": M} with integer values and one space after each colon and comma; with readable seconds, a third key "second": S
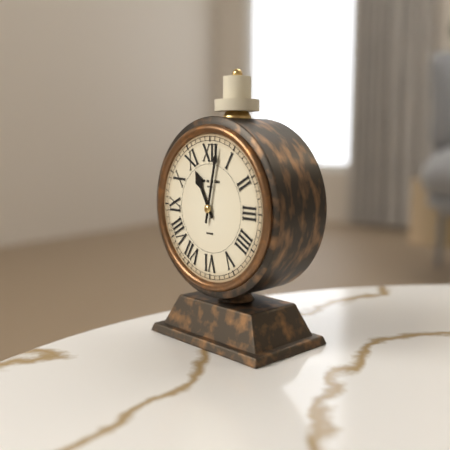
{"hour": 11, "minute": 2}
